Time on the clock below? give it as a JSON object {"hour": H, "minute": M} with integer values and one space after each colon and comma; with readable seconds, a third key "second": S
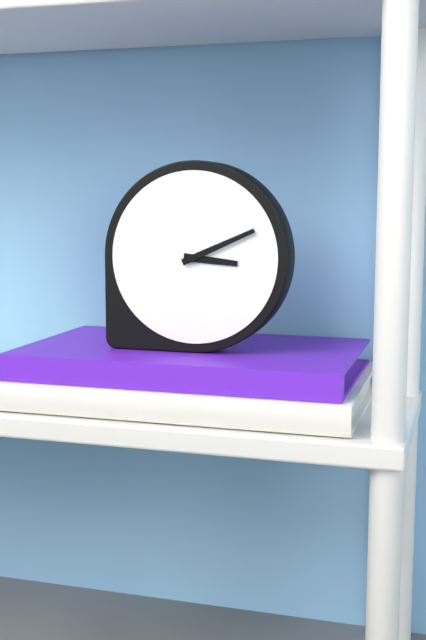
{"hour": 3, "minute": 11}
